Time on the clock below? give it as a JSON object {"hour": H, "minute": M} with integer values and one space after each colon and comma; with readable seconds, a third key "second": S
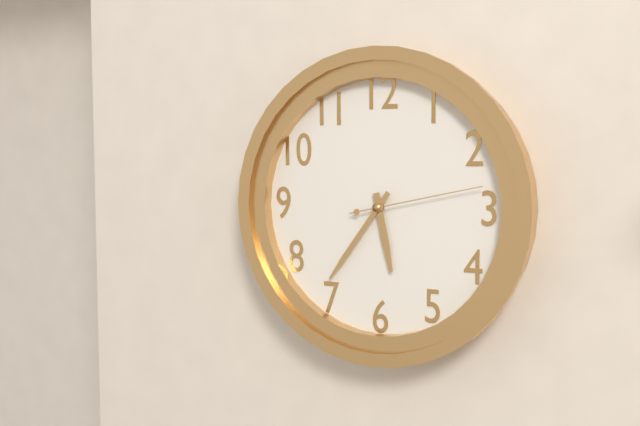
{"hour": 5, "minute": 36, "second": 13}
